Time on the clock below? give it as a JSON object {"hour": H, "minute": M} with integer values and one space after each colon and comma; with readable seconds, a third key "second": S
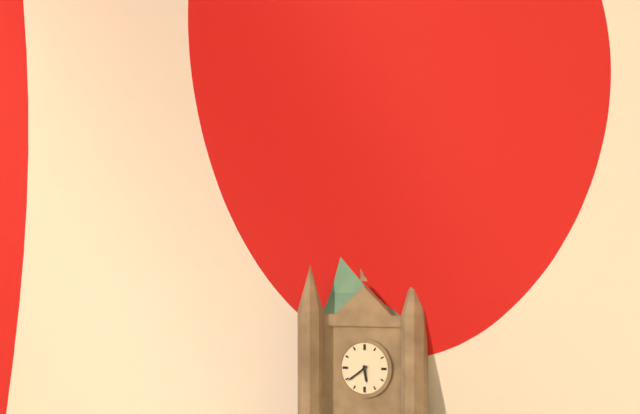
{"hour": 5, "minute": 39}
